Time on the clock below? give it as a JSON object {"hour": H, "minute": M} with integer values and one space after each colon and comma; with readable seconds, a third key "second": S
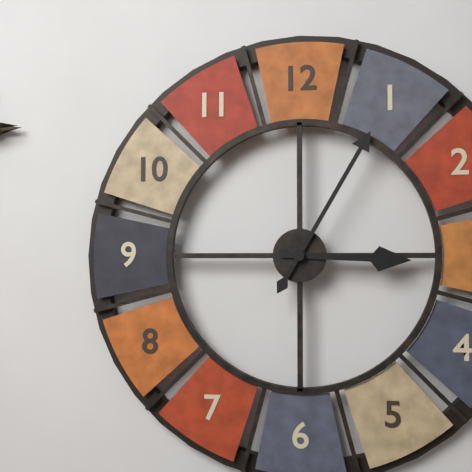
{"hour": 3, "minute": 5}
